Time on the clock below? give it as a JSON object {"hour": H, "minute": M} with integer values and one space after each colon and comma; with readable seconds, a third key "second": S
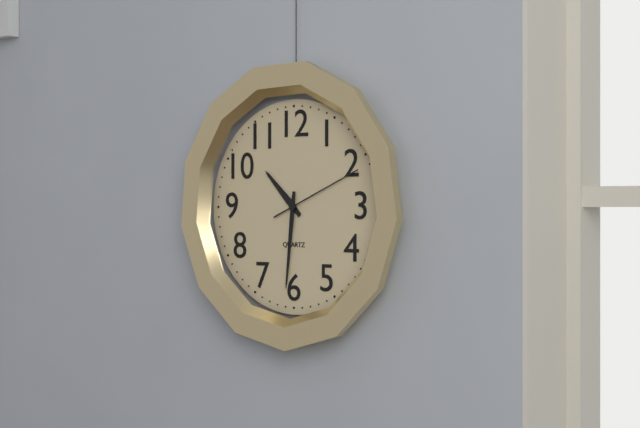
{"hour": 10, "minute": 31, "second": 11}
